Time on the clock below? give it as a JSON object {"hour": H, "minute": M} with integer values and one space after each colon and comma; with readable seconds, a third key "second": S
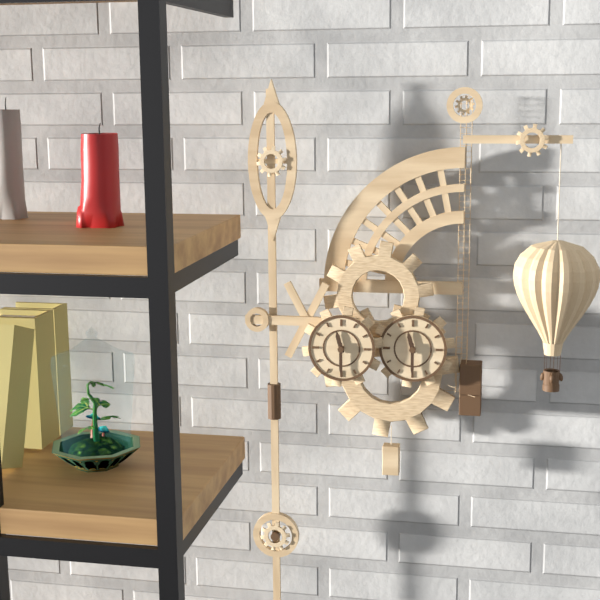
{"hour": 11, "minute": 30}
